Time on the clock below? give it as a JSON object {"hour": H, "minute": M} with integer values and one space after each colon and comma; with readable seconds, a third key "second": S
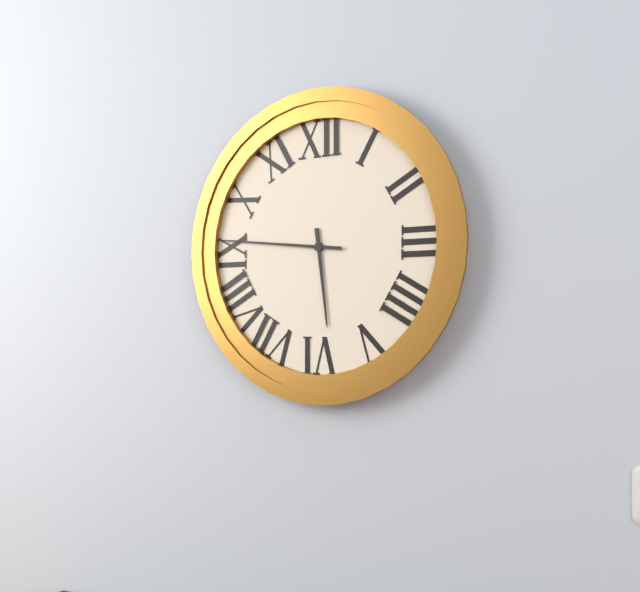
{"hour": 5, "minute": 46}
